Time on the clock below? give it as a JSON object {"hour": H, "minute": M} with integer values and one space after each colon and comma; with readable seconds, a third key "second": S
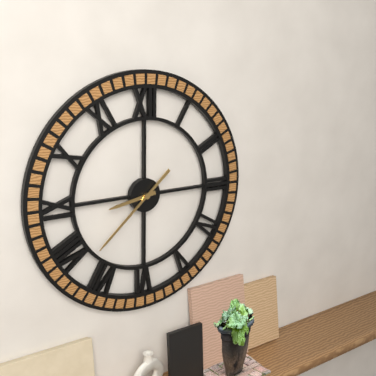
{"hour": 8, "minute": 38}
